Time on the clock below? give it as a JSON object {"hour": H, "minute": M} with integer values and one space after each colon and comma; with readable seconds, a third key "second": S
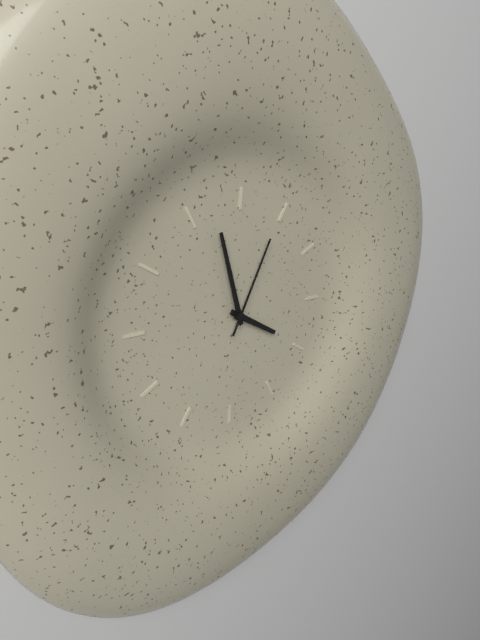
{"hour": 3, "minute": 57, "second": 4}
